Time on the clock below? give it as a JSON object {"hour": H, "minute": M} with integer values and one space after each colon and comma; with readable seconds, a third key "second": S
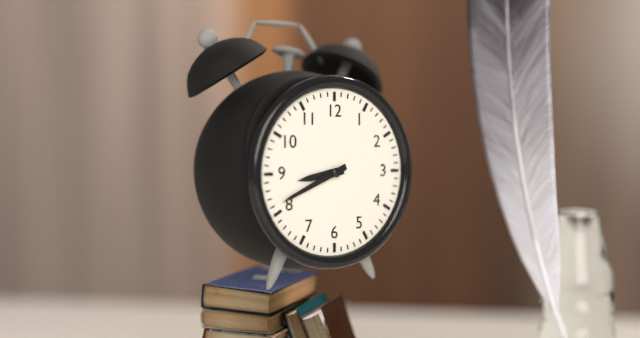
{"hour": 8, "minute": 41}
